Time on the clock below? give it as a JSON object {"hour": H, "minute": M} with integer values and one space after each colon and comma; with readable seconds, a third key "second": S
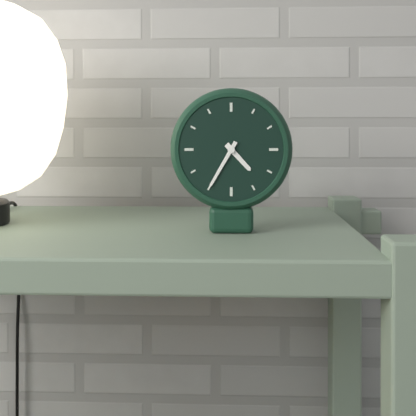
{"hour": 4, "minute": 35}
